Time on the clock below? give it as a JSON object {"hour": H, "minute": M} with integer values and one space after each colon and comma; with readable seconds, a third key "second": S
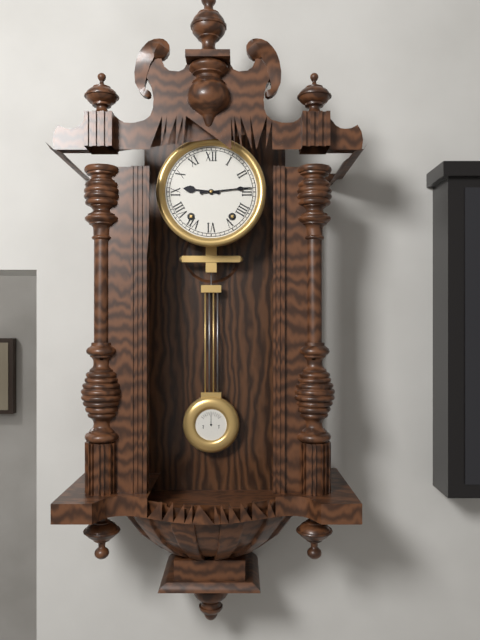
{"hour": 9, "minute": 14}
